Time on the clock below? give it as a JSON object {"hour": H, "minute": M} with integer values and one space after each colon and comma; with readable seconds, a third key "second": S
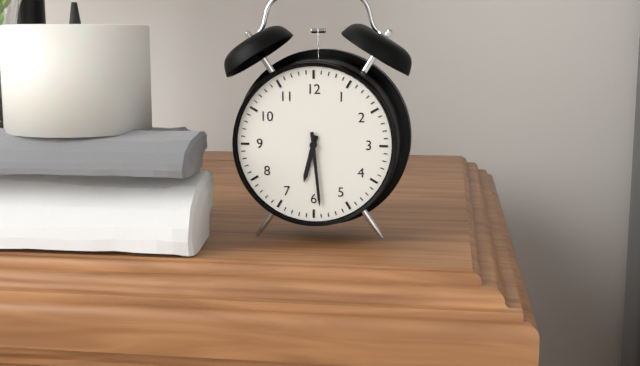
{"hour": 6, "minute": 29}
